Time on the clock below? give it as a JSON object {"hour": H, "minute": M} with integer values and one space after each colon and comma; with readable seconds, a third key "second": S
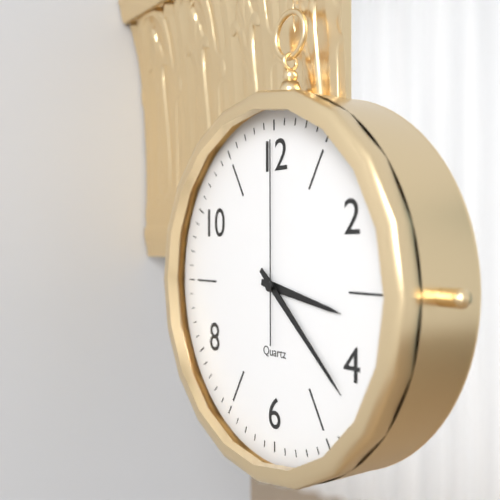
{"hour": 3, "minute": 22, "second": 0}
